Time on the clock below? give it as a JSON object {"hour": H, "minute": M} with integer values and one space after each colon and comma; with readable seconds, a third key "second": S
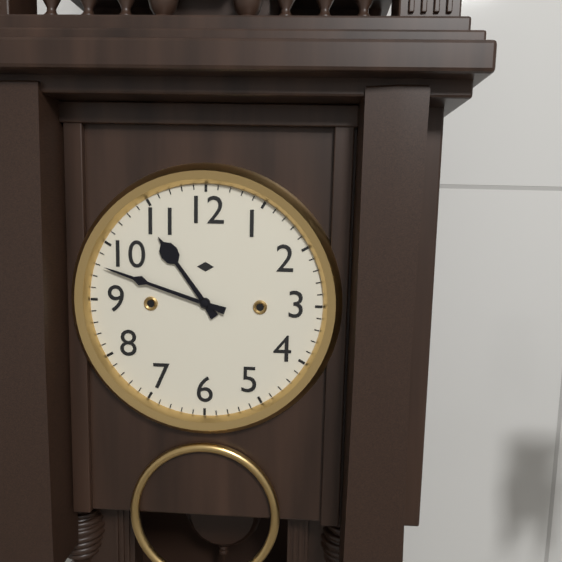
{"hour": 10, "minute": 48}
